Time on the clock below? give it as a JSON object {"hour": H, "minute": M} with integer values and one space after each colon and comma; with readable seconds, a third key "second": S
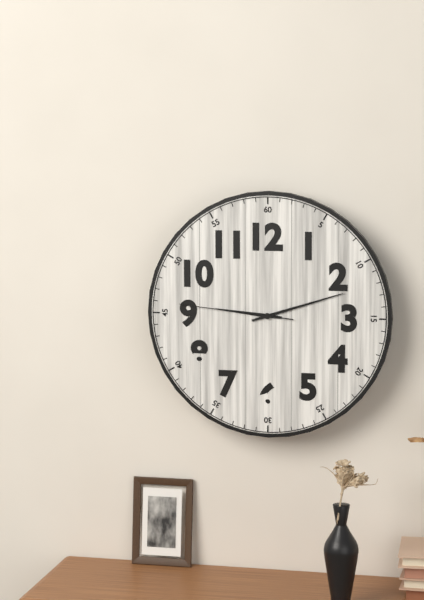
{"hour": 9, "minute": 12, "second": 46}
